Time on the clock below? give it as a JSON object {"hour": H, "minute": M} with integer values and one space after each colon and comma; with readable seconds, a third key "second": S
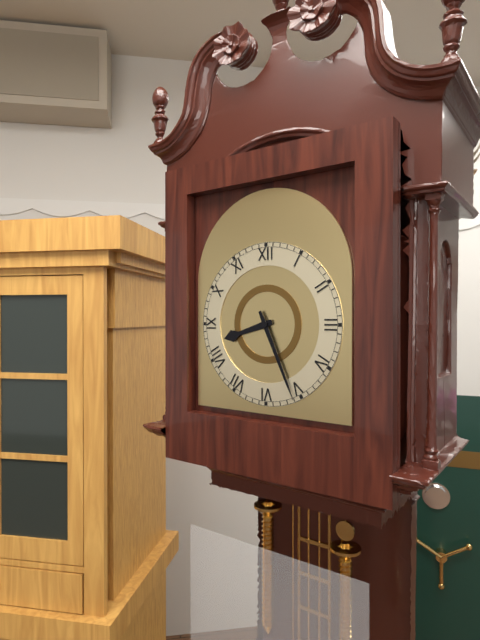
{"hour": 8, "minute": 26}
